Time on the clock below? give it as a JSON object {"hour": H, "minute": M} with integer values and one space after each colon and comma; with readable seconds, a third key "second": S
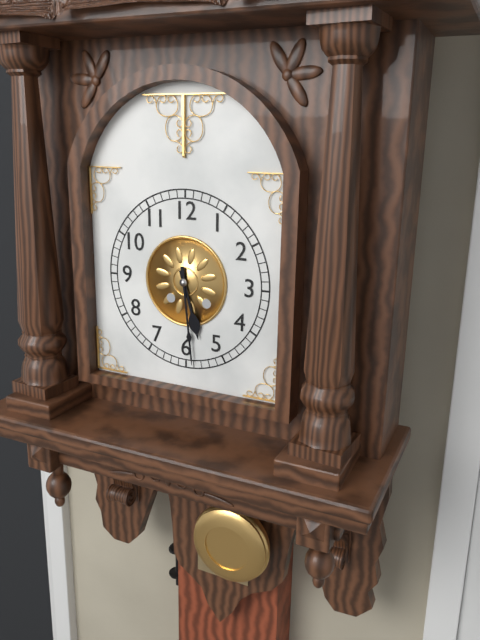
{"hour": 5, "minute": 29}
